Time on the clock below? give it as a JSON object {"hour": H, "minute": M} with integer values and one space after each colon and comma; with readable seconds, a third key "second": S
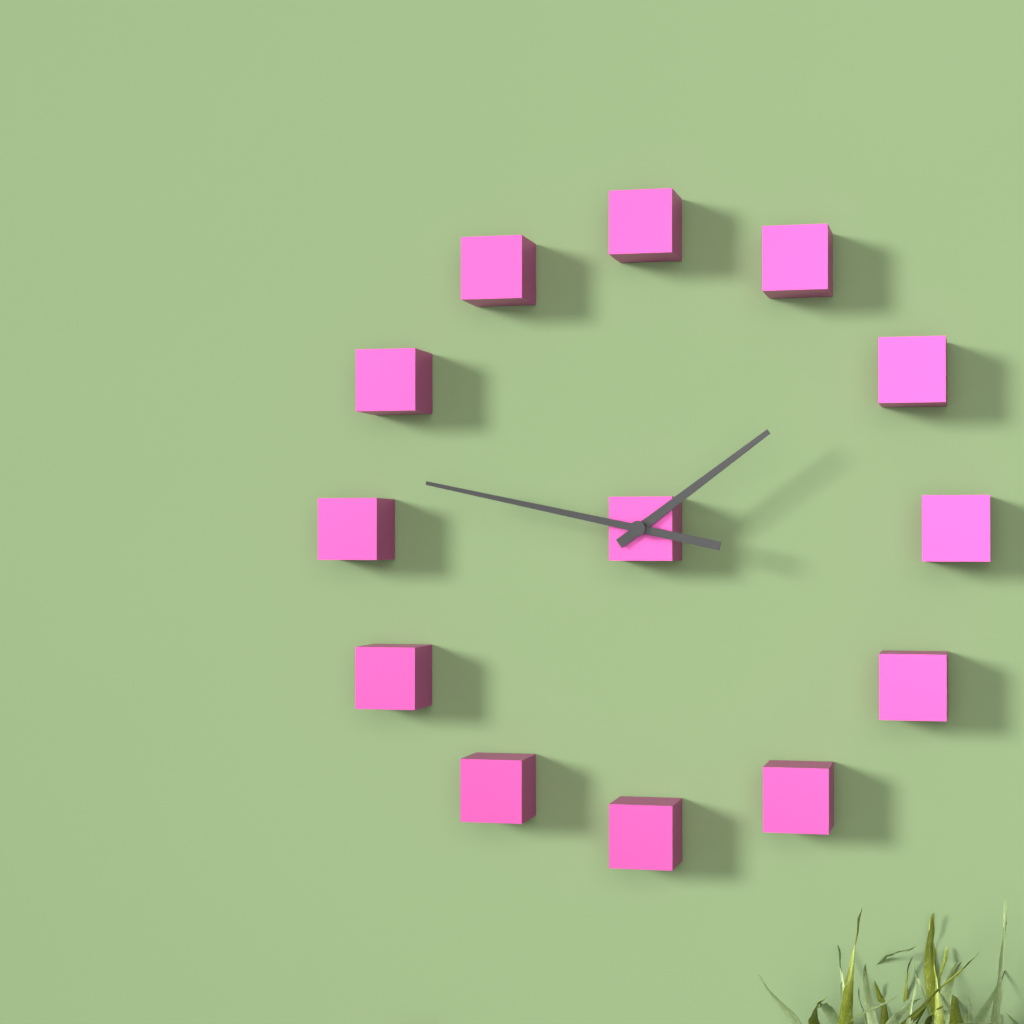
{"hour": 1, "minute": 47}
